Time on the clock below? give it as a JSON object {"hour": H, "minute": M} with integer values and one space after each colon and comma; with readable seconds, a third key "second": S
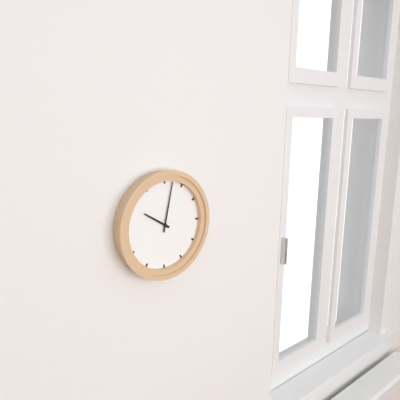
{"hour": 10, "minute": 2}
